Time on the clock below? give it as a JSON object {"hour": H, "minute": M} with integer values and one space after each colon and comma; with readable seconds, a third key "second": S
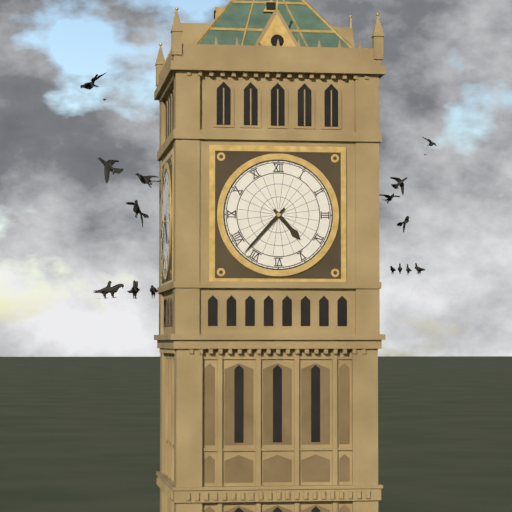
{"hour": 4, "minute": 37}
